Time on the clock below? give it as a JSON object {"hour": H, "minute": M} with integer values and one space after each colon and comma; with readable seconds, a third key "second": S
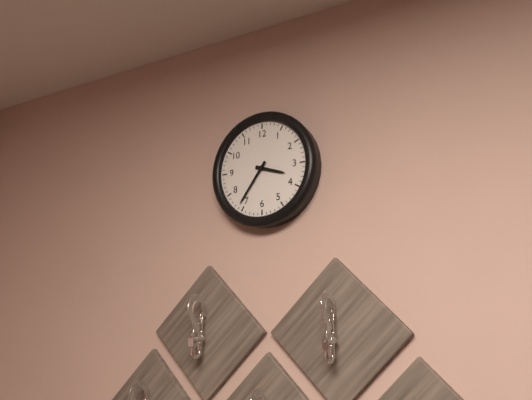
{"hour": 3, "minute": 36}
